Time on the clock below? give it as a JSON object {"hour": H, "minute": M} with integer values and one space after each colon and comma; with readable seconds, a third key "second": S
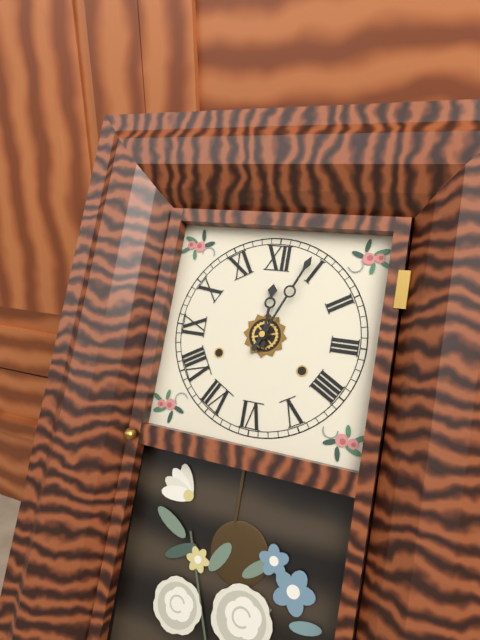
{"hour": 12, "minute": 4}
